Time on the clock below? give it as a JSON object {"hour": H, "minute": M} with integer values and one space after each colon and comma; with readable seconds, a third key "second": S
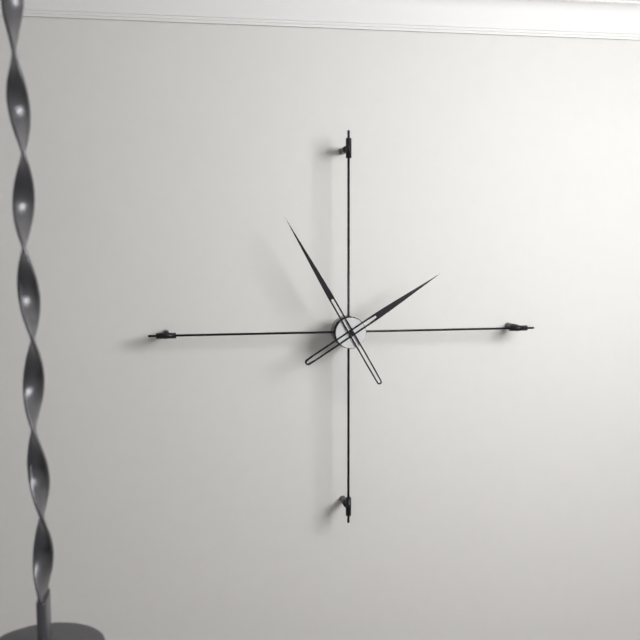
{"hour": 1, "minute": 55}
